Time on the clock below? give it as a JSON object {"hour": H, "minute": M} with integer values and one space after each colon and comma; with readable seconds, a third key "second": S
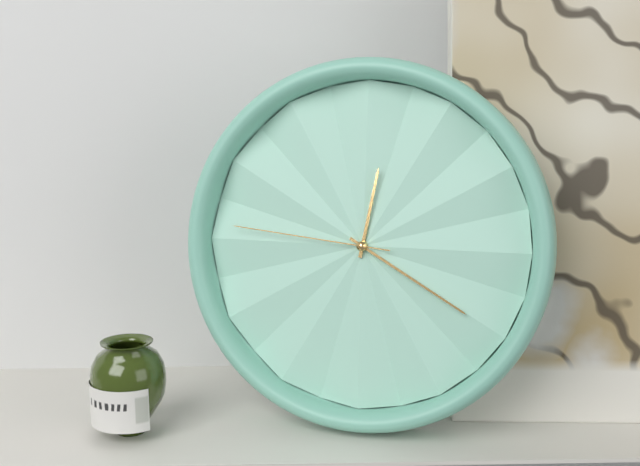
{"hour": 12, "minute": 20, "second": 46}
